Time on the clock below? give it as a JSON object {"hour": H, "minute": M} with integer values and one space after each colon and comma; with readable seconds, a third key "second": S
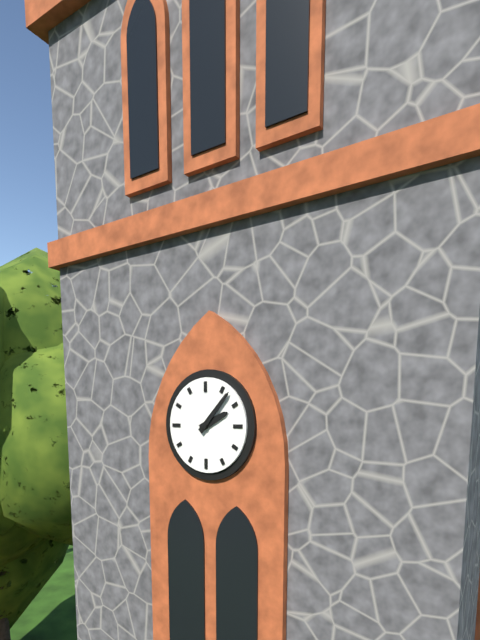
{"hour": 2, "minute": 7}
